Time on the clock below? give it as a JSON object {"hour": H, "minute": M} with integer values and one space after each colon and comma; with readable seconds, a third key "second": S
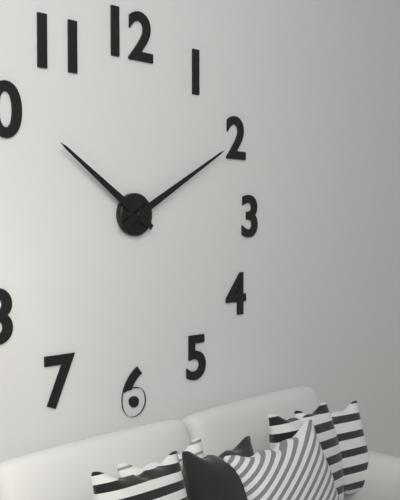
{"hour": 10, "minute": 10}
